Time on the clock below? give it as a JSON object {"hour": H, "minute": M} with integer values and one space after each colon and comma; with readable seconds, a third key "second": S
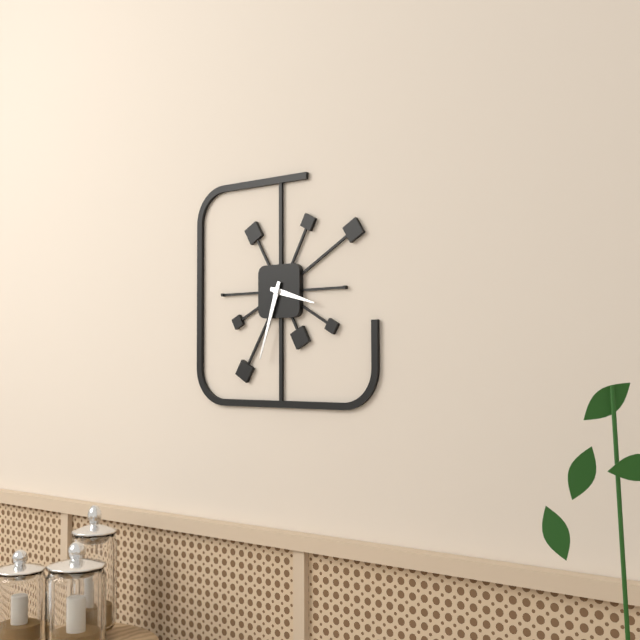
{"hour": 3, "minute": 33}
